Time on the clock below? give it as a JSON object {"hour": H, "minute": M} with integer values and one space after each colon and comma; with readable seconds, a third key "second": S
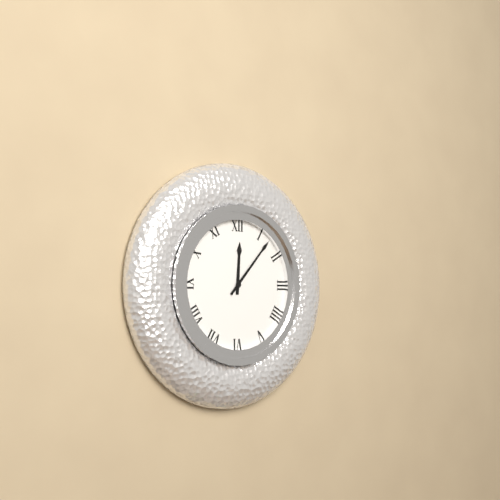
{"hour": 12, "minute": 7}
